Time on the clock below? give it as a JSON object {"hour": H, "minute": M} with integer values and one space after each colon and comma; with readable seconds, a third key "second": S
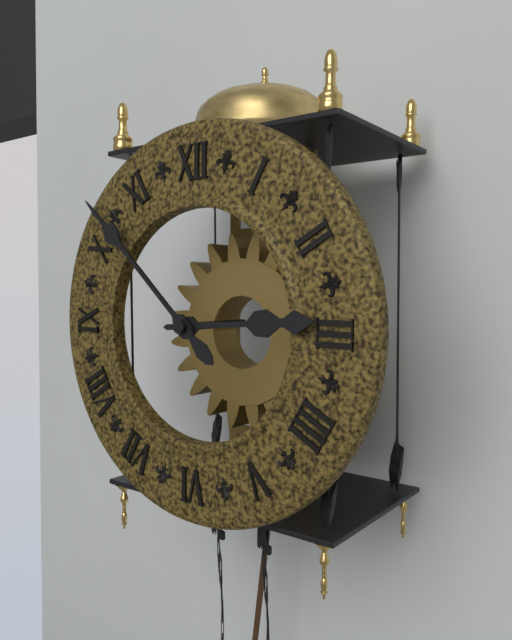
{"hour": 2, "minute": 52}
